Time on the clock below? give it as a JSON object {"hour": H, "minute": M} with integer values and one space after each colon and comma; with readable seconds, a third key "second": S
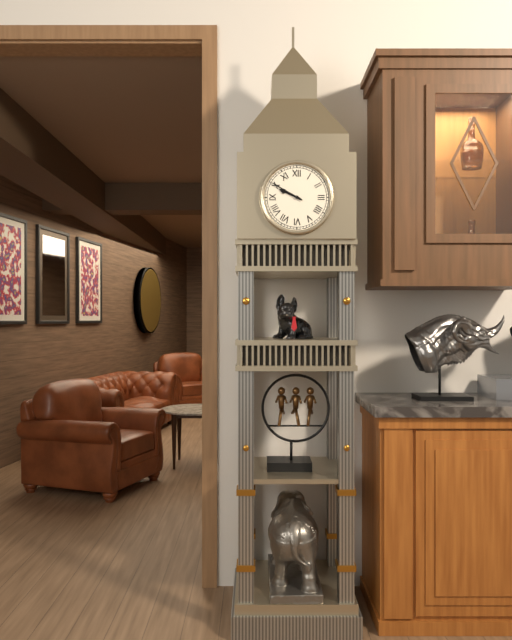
{"hour": 9, "minute": 50}
